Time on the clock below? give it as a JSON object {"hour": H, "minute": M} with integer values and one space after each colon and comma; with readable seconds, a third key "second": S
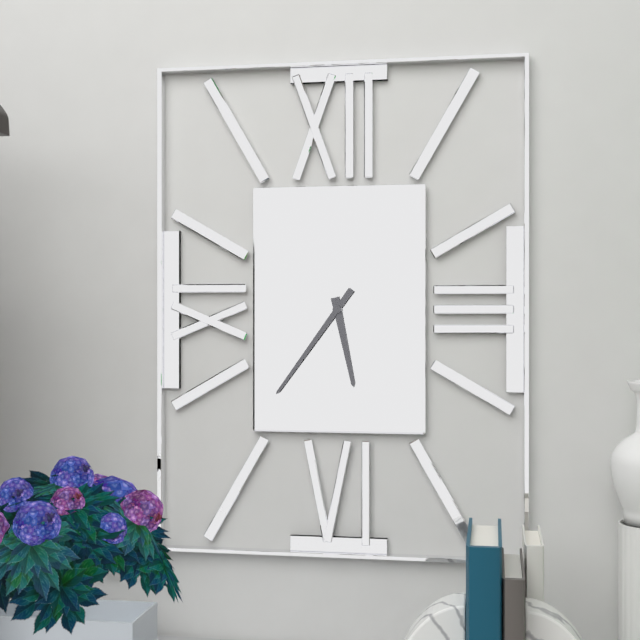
{"hour": 5, "minute": 36}
